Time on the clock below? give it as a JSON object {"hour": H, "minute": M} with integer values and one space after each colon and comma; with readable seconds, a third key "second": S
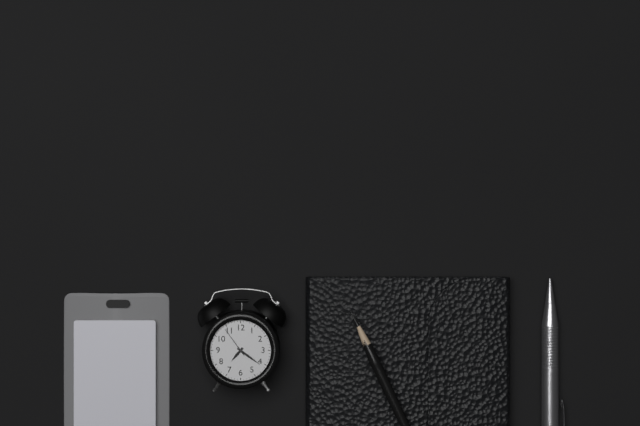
{"hour": 7, "minute": 21}
